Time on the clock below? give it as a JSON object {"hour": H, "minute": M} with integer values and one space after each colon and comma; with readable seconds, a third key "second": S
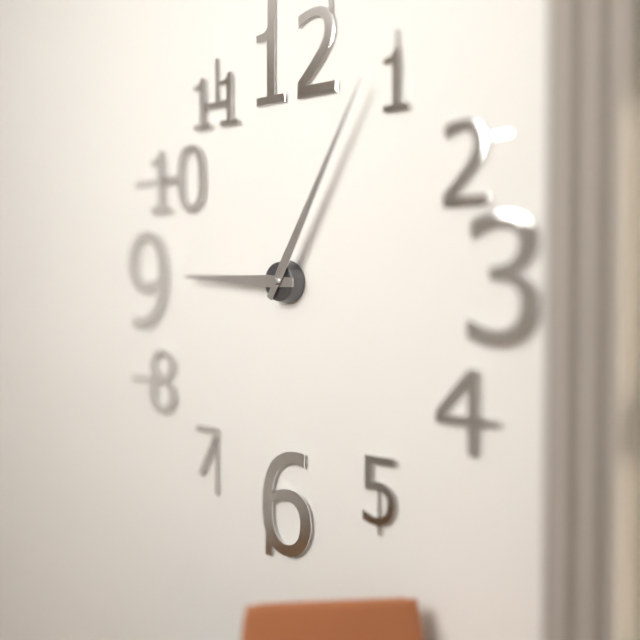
{"hour": 9, "minute": 5}
